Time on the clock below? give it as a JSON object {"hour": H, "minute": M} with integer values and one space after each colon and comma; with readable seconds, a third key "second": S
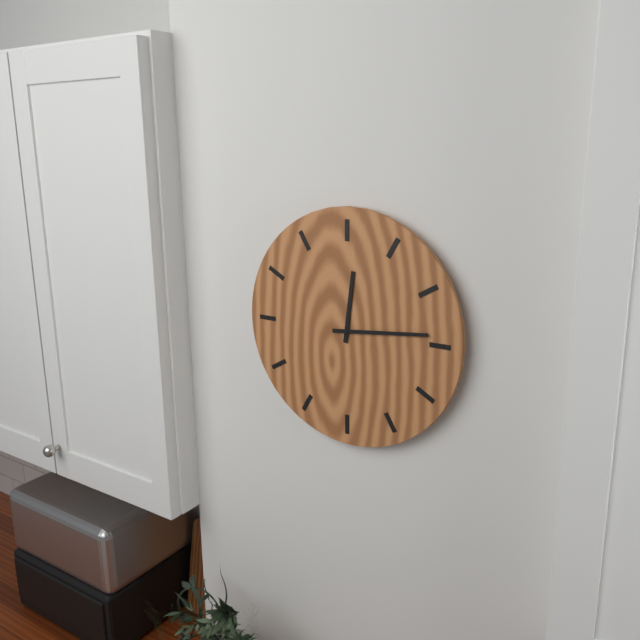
{"hour": 12, "minute": 14}
